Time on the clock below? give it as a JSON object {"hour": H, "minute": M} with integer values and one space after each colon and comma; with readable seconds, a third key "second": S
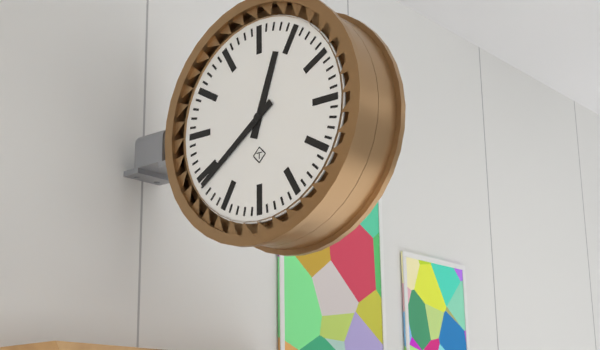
{"hour": 12, "minute": 39}
